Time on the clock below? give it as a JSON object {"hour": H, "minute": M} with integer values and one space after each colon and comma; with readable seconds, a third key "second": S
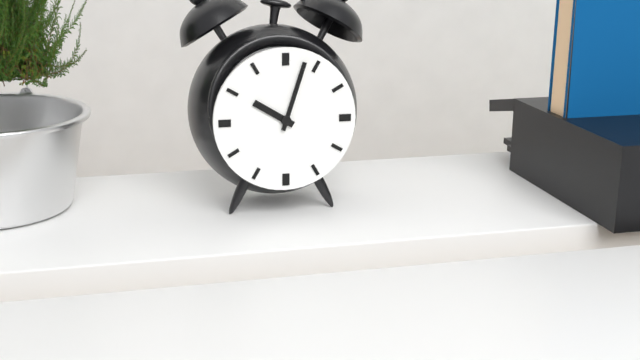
{"hour": 10, "minute": 3}
